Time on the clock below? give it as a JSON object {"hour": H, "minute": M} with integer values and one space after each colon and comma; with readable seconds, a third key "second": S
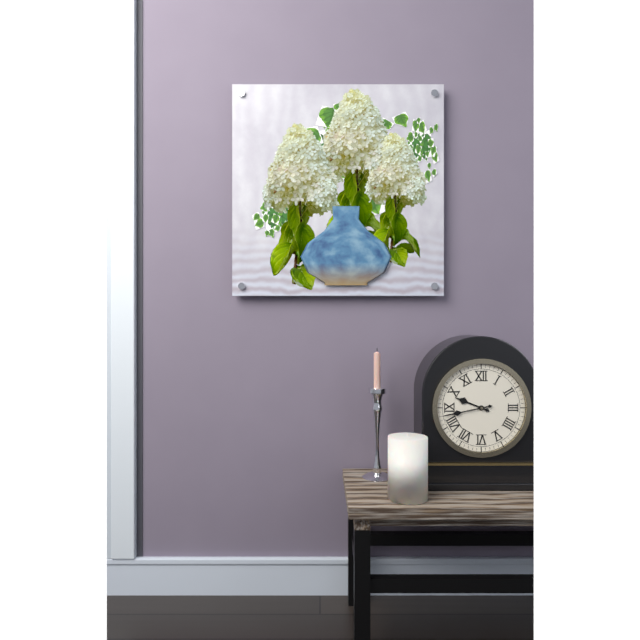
{"hour": 9, "minute": 43}
